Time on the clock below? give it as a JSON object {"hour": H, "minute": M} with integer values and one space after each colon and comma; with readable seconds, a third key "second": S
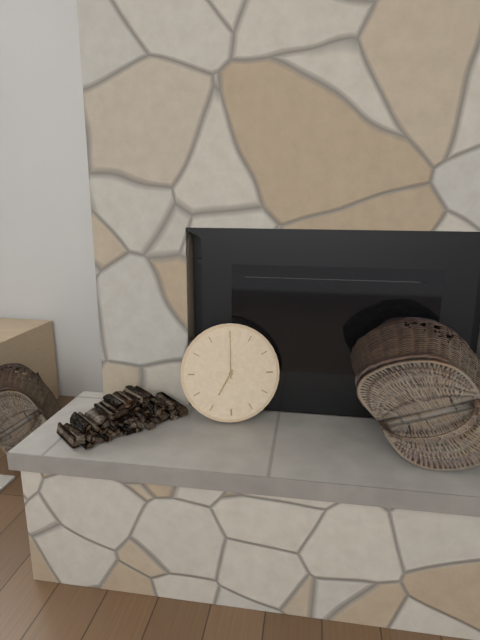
{"hour": 7, "minute": 0}
